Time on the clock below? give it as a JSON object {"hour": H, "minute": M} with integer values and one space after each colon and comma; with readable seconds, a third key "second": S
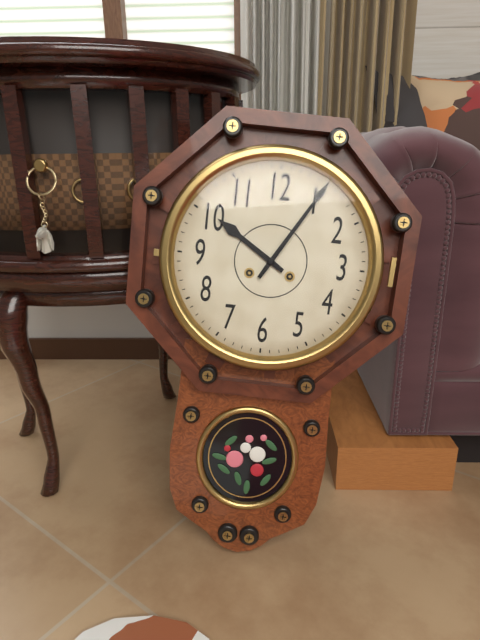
{"hour": 10, "minute": 5}
